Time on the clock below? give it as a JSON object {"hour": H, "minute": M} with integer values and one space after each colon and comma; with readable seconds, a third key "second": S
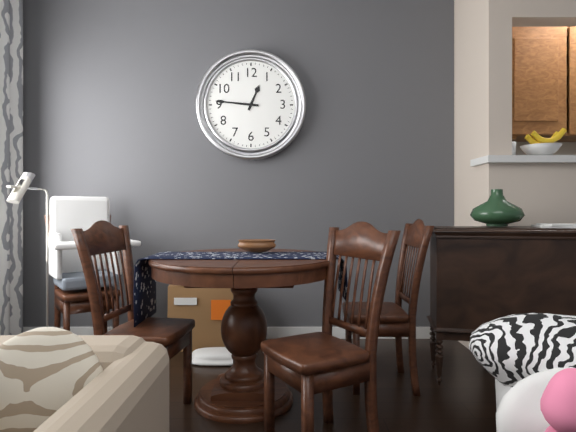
{"hour": 12, "minute": 46}
